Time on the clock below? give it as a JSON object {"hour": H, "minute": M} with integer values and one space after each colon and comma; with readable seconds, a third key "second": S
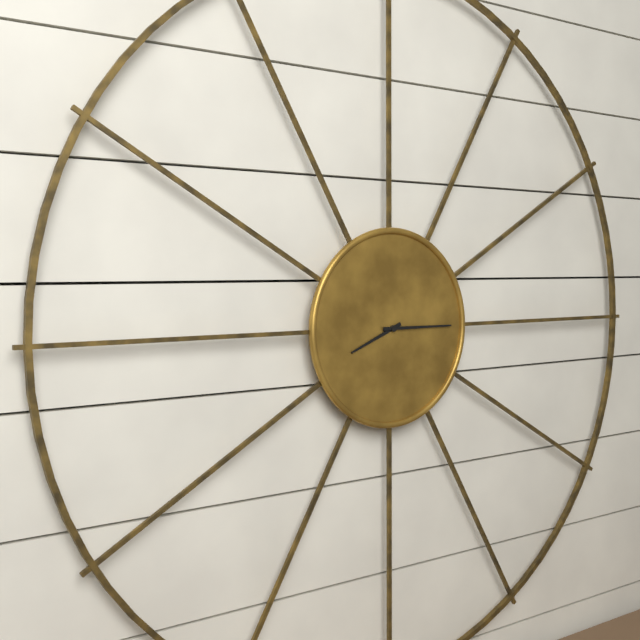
{"hour": 8, "minute": 15}
